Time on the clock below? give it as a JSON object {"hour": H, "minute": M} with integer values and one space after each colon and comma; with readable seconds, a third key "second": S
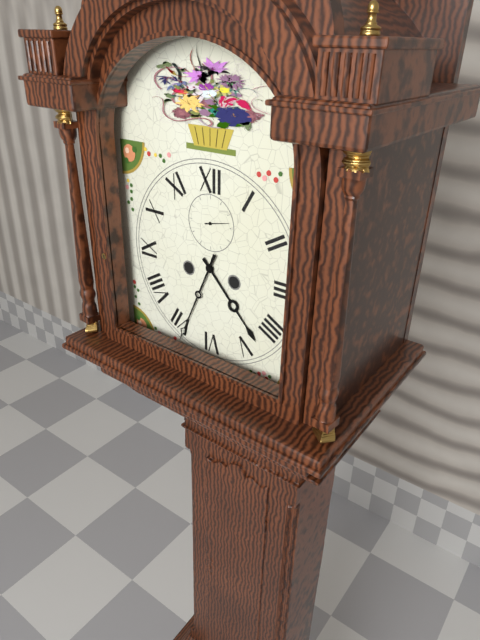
{"hour": 4, "minute": 34}
